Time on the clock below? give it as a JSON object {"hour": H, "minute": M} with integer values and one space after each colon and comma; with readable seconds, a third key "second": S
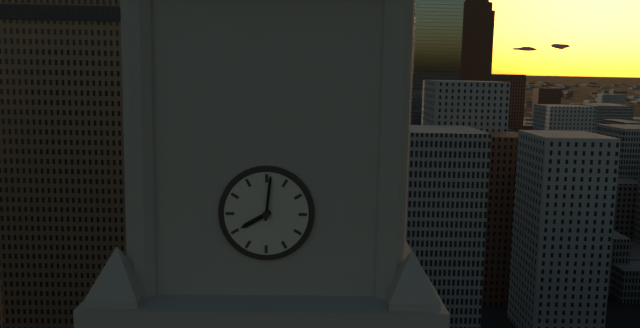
{"hour": 8, "minute": 1}
